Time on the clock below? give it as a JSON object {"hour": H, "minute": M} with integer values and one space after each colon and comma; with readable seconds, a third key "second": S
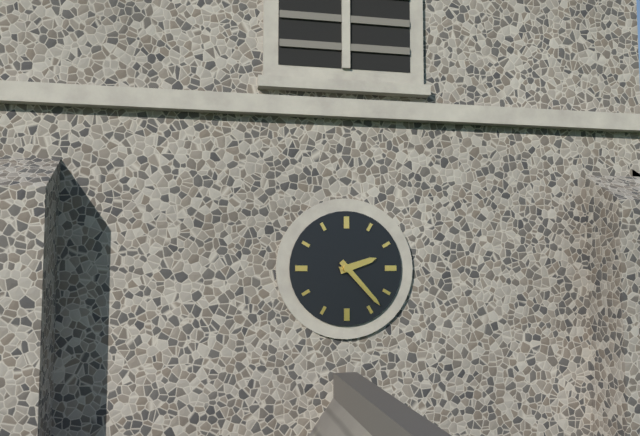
{"hour": 2, "minute": 23}
